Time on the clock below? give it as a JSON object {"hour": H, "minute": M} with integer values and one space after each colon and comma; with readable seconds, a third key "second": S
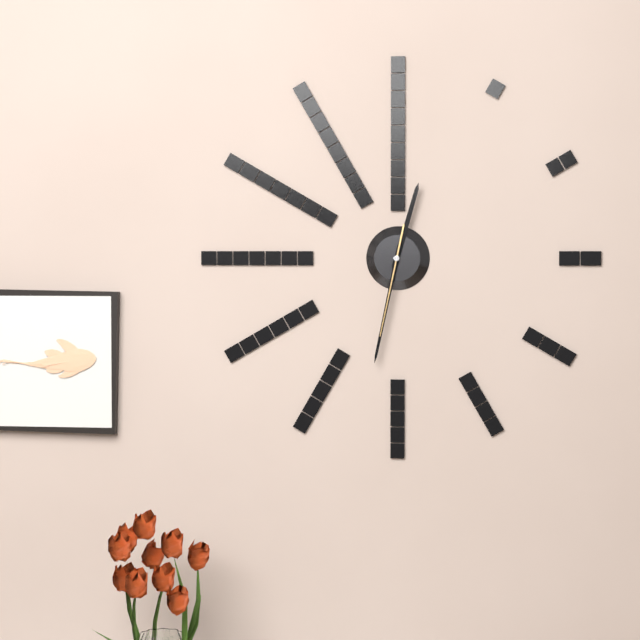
{"hour": 12, "minute": 32, "second": 32}
